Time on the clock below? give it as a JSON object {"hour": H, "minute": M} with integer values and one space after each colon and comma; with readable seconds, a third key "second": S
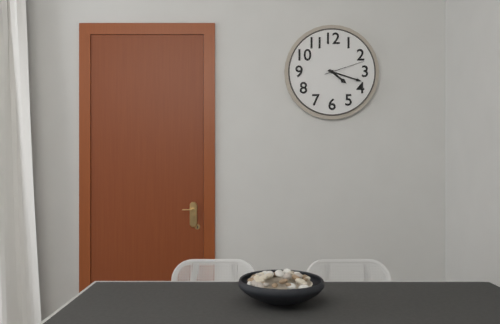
{"hour": 4, "minute": 18}
